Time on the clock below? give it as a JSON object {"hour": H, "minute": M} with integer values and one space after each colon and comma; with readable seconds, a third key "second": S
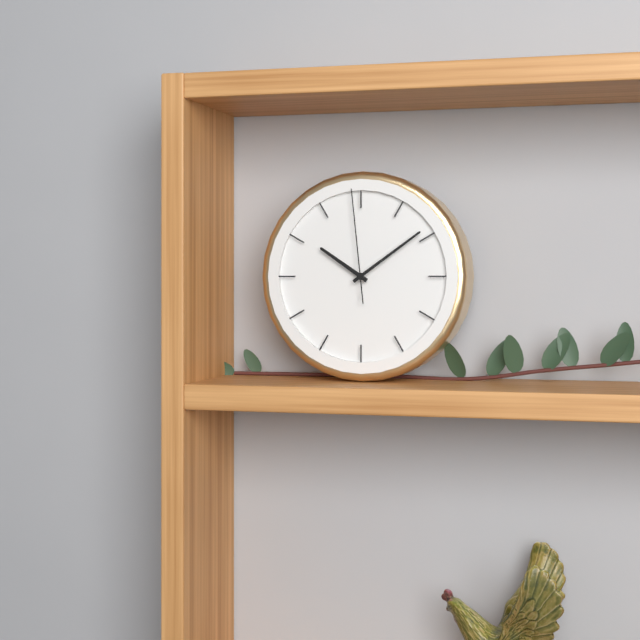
{"hour": 10, "minute": 9, "second": 59}
